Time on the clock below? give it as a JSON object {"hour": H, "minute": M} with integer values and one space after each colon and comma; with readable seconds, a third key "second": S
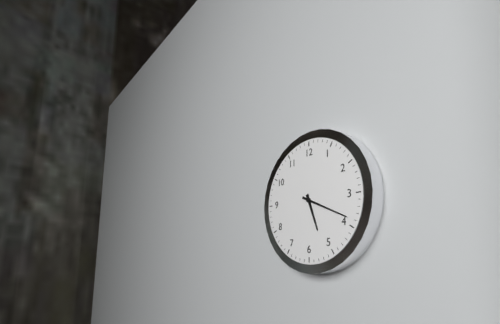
{"hour": 5, "minute": 19}
